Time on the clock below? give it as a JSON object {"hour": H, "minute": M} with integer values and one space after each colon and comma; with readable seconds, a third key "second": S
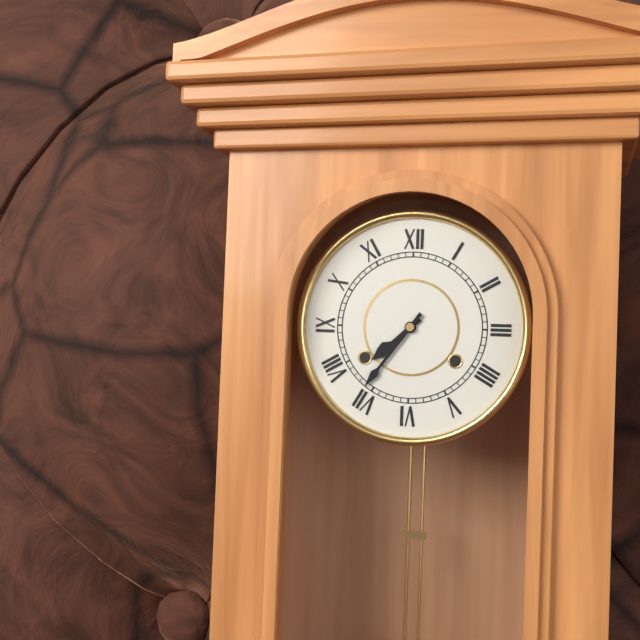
{"hour": 7, "minute": 36}
